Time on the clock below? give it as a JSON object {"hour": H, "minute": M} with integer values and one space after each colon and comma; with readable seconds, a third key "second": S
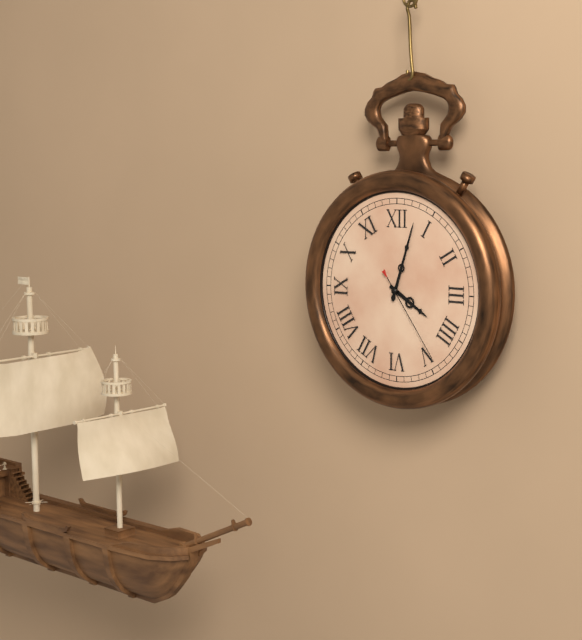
{"hour": 4, "minute": 3, "second": 24}
